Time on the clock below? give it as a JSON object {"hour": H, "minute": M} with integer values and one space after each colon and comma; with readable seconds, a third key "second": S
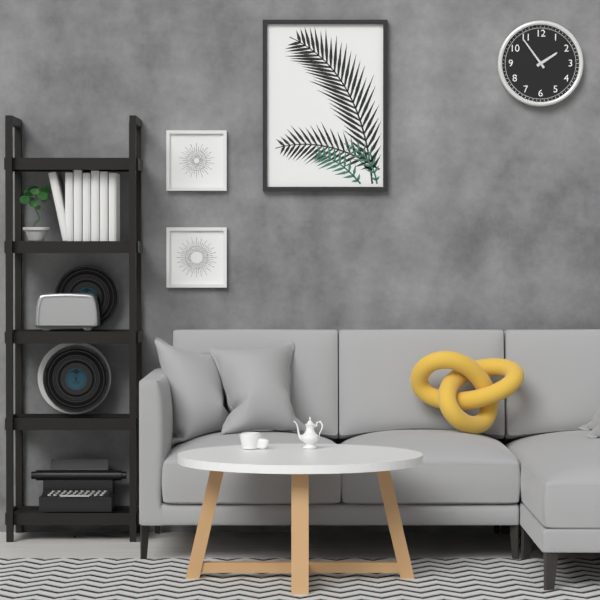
{"hour": 1, "minute": 54}
